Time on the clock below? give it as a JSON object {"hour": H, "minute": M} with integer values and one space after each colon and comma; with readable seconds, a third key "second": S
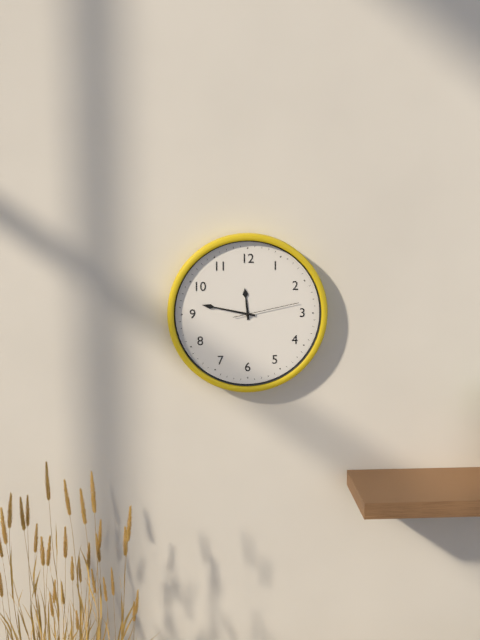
{"hour": 11, "minute": 47, "second": 13}
